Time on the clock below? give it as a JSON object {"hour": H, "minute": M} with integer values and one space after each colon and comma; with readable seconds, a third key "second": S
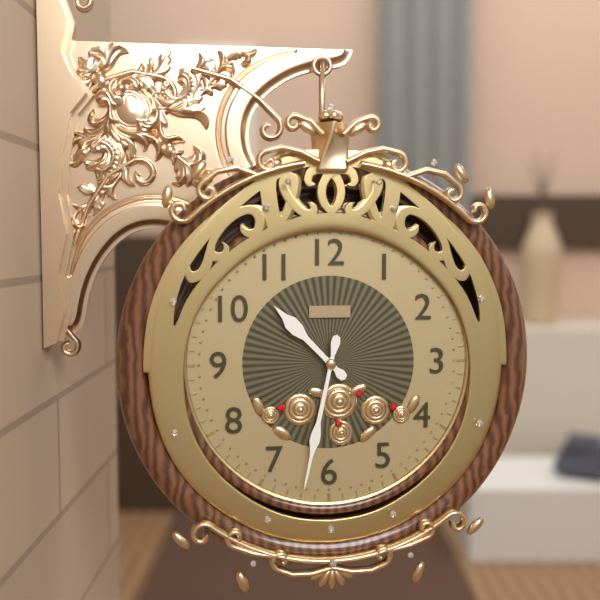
{"hour": 10, "minute": 32}
